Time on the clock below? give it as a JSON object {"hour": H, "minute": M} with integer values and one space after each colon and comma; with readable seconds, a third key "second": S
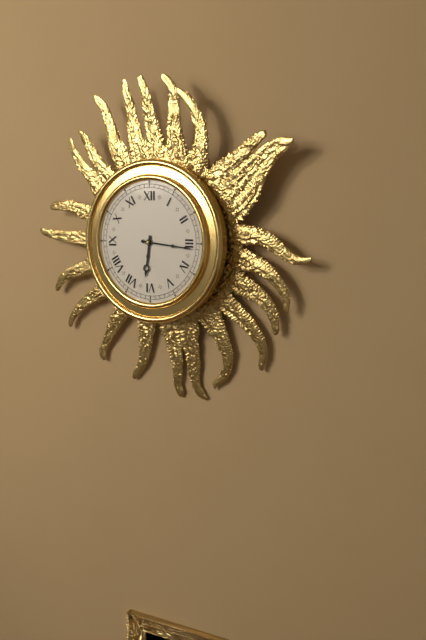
{"hour": 6, "minute": 16}
